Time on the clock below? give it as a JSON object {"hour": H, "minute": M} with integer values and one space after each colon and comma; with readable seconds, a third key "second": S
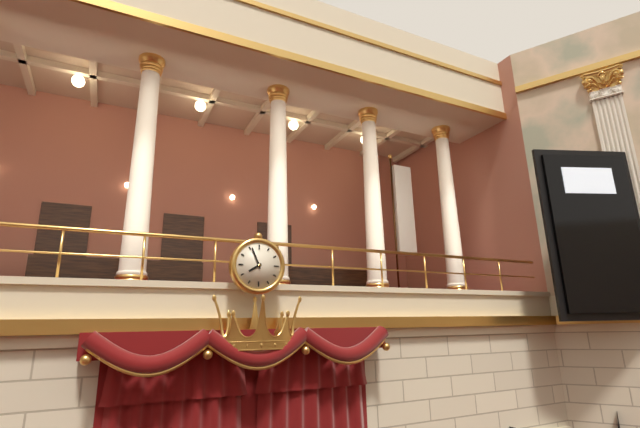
{"hour": 7, "minute": 56}
